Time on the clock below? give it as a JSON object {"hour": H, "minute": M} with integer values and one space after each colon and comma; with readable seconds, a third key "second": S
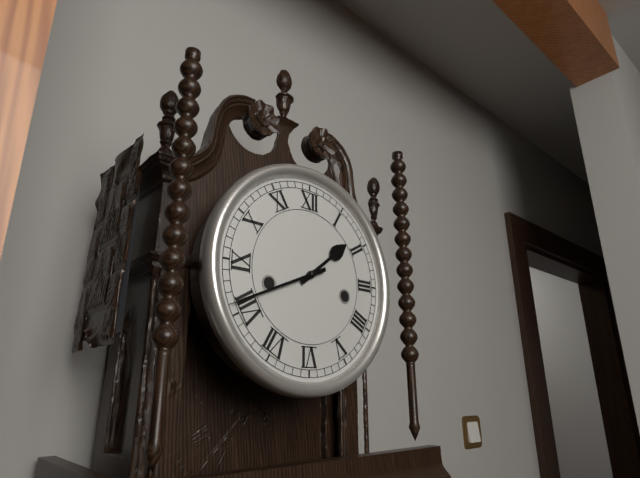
{"hour": 1, "minute": 41}
